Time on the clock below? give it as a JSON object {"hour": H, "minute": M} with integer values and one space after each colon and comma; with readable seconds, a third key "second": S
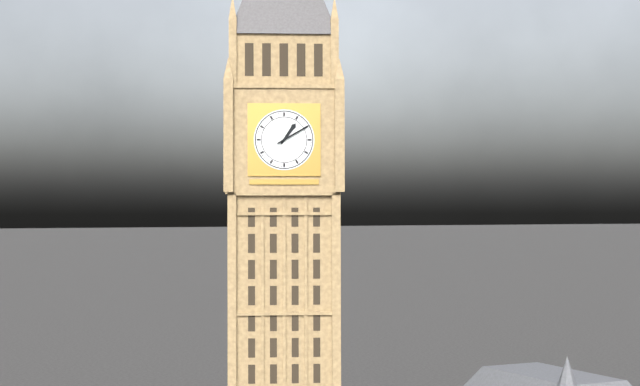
{"hour": 1, "minute": 10}
